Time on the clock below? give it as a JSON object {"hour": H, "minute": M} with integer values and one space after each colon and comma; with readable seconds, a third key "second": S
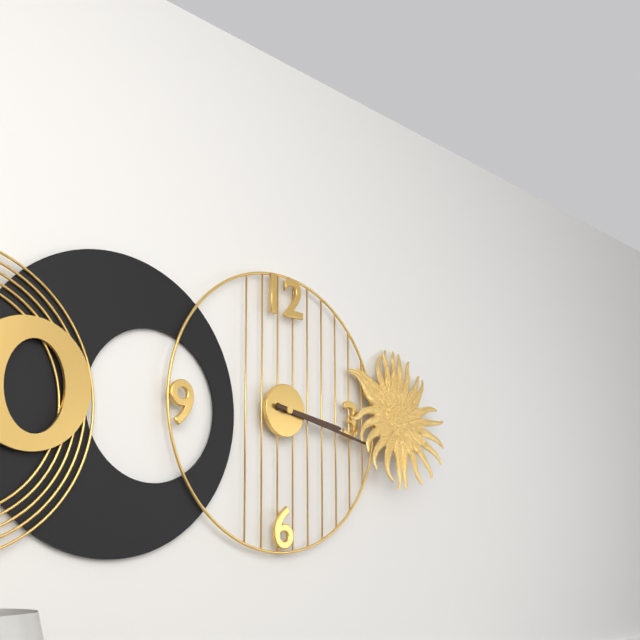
{"hour": 3, "minute": 17}
